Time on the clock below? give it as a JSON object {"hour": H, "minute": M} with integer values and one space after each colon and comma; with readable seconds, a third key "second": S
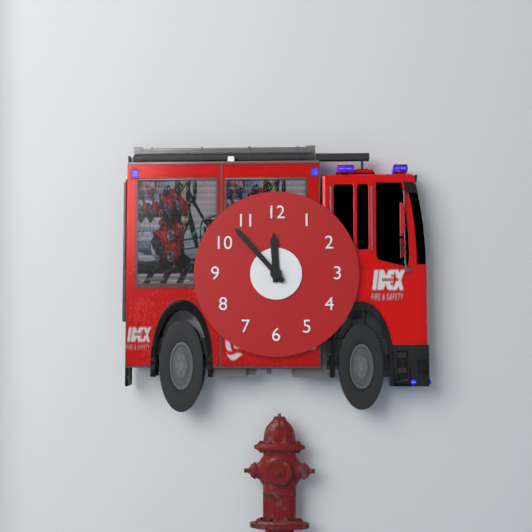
{"hour": 11, "minute": 53}
